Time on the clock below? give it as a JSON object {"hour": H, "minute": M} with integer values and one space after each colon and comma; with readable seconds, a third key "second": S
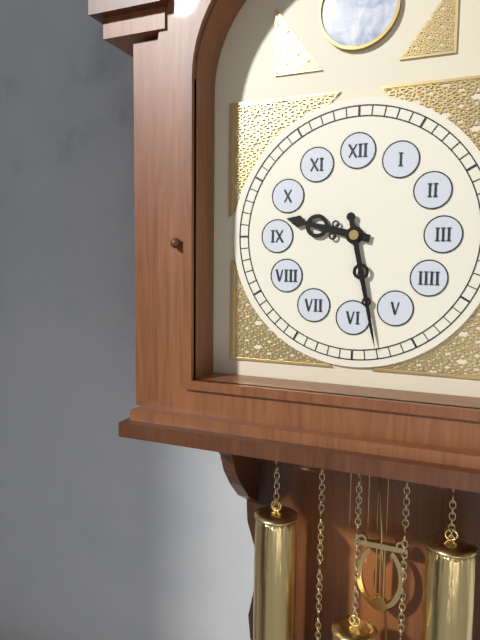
{"hour": 9, "minute": 28}
